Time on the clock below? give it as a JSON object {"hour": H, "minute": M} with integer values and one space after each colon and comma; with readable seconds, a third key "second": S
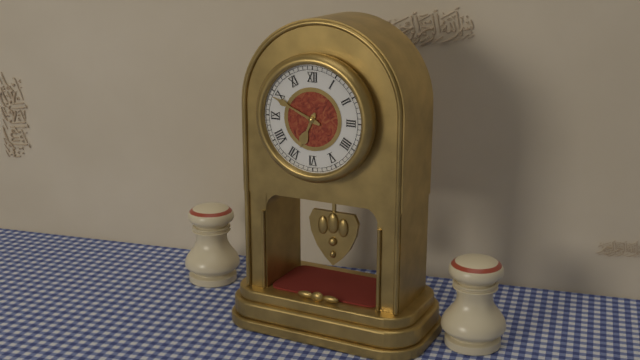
{"hour": 6, "minute": 49}
